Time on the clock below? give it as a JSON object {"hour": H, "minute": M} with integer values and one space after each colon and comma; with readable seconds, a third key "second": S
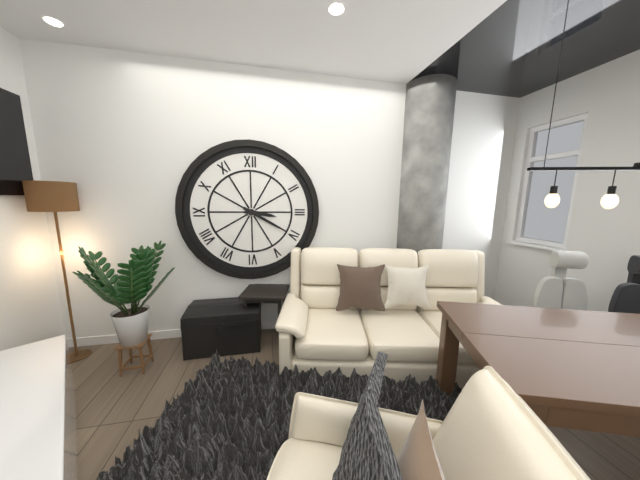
{"hour": 3, "minute": 20}
